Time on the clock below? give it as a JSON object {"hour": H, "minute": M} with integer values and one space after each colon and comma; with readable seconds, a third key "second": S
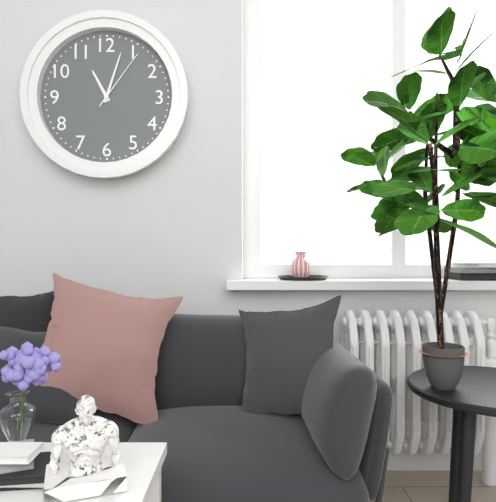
{"hour": 11, "minute": 3, "second": 6}
